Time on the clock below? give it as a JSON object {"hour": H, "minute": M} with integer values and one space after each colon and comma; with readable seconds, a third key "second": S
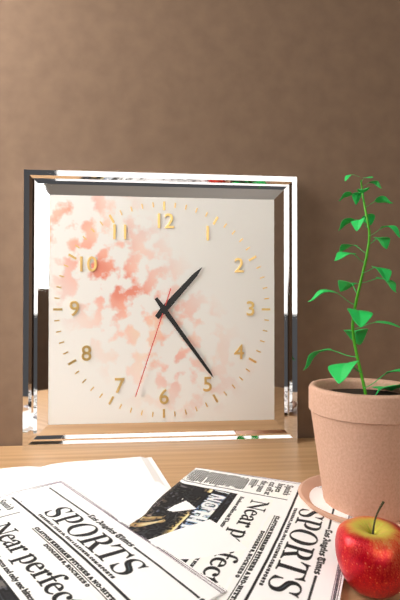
{"hour": 1, "minute": 24, "second": 33}
